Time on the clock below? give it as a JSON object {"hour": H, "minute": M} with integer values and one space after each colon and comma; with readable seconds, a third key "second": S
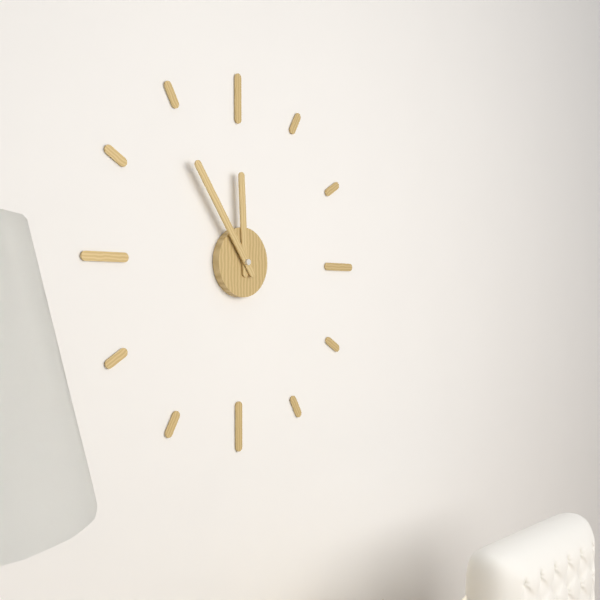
{"hour": 11, "minute": 54}
